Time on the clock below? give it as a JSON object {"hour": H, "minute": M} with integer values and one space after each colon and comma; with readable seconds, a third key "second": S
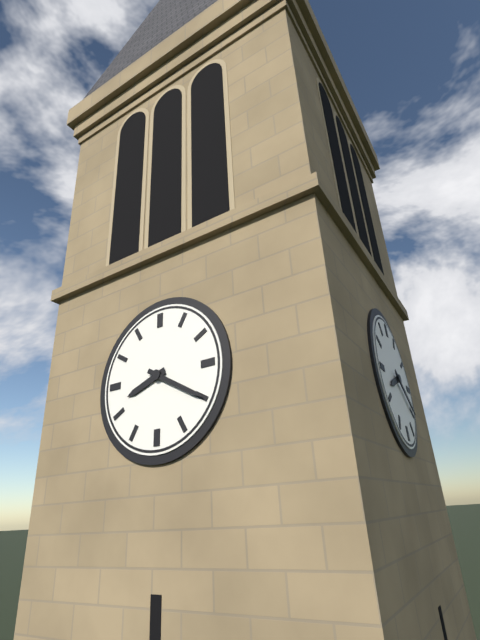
{"hour": 8, "minute": 20}
